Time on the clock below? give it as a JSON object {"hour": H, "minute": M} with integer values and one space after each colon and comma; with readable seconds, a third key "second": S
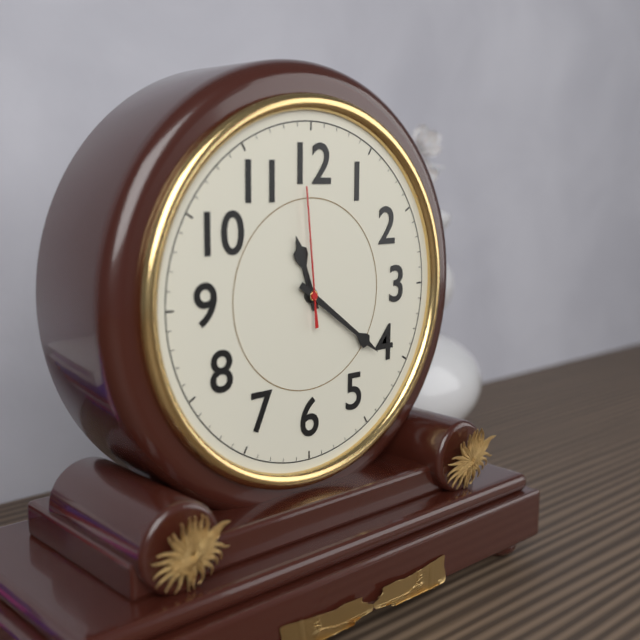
{"hour": 11, "minute": 21, "second": 59}
